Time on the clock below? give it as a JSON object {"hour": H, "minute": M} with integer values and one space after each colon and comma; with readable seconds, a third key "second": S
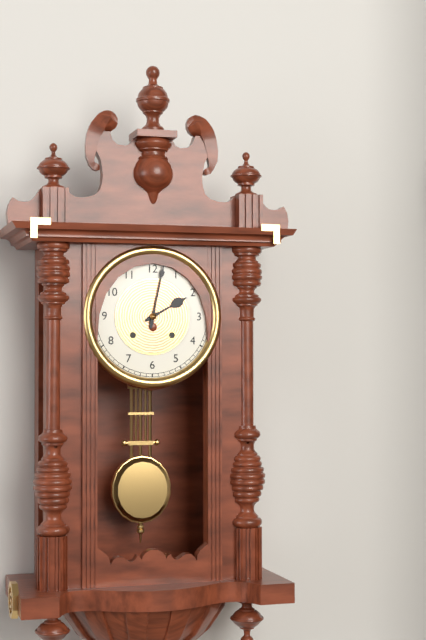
{"hour": 2, "minute": 2}
